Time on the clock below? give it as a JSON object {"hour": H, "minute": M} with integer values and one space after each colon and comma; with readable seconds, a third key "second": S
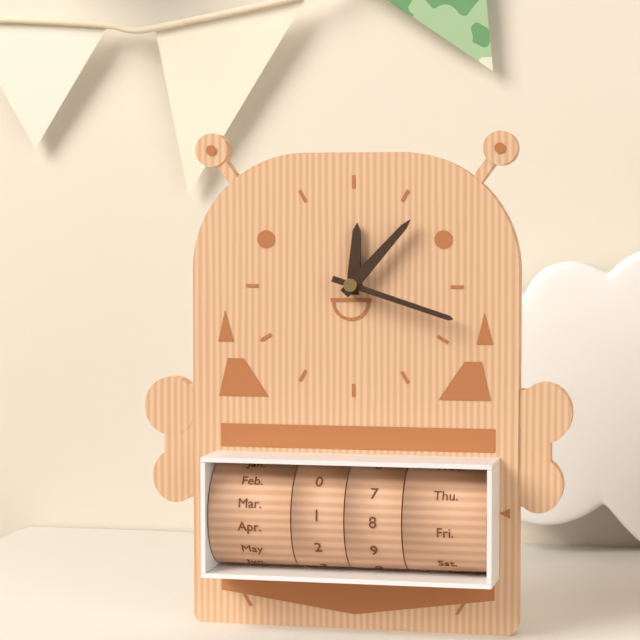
{"hour": 12, "minute": 7, "second": 18}
